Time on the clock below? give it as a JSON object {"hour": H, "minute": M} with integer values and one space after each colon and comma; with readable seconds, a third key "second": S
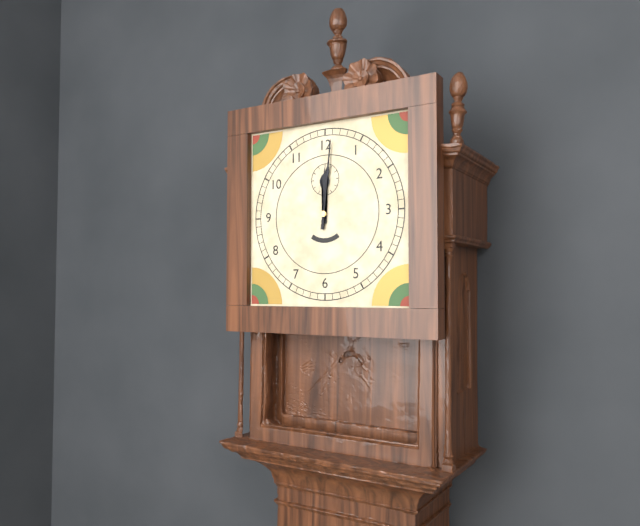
{"hour": 12, "minute": 1}
